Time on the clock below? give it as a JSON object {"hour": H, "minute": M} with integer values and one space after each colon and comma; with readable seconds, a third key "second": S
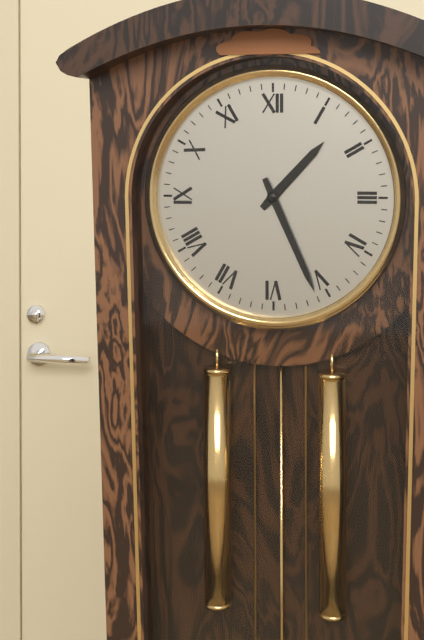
{"hour": 1, "minute": 26}
